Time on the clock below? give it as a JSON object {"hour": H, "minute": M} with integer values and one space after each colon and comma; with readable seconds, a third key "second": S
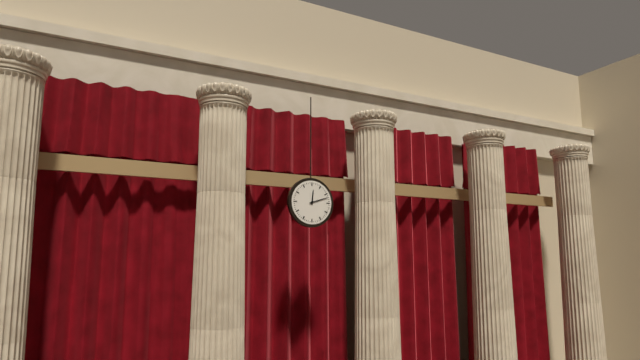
{"hour": 12, "minute": 12}
